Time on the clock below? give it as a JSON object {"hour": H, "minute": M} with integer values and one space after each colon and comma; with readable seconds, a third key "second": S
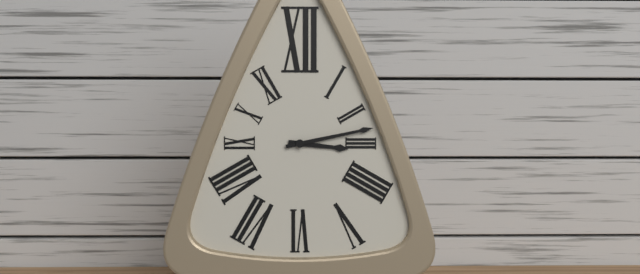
{"hour": 3, "minute": 13}
